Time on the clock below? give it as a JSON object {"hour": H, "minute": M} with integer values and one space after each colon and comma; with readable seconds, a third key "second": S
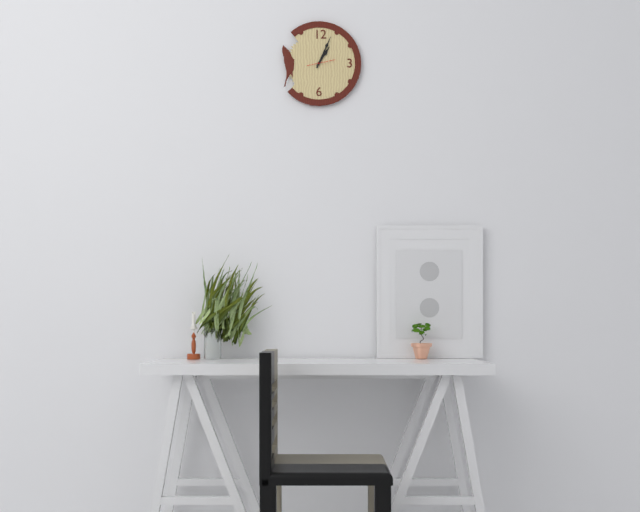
{"hour": 1, "minute": 4}
